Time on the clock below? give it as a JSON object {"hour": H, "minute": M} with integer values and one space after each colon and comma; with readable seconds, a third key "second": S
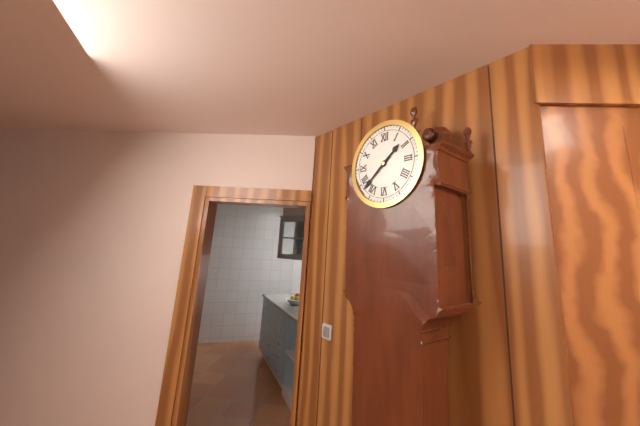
{"hour": 1, "minute": 38}
